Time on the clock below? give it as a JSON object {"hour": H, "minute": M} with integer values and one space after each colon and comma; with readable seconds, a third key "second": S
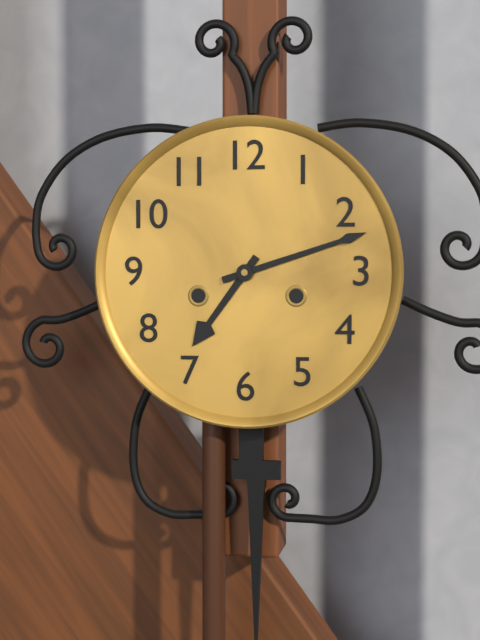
{"hour": 7, "minute": 12}
